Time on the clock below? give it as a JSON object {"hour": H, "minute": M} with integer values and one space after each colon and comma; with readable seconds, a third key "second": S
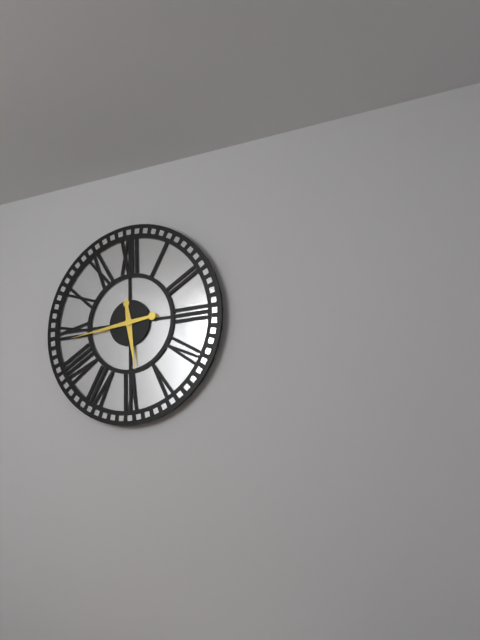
{"hour": 5, "minute": 44}
